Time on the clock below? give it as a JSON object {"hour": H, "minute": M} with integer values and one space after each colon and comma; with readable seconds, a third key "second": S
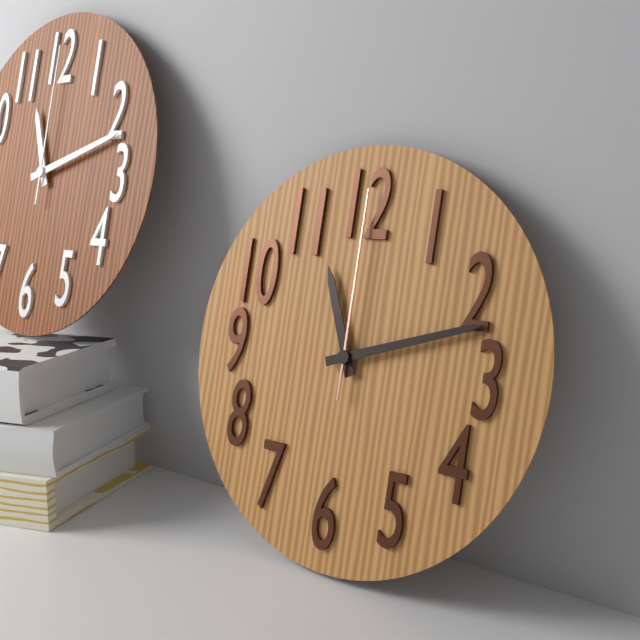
{"hour": 11, "minute": 12, "second": 0}
